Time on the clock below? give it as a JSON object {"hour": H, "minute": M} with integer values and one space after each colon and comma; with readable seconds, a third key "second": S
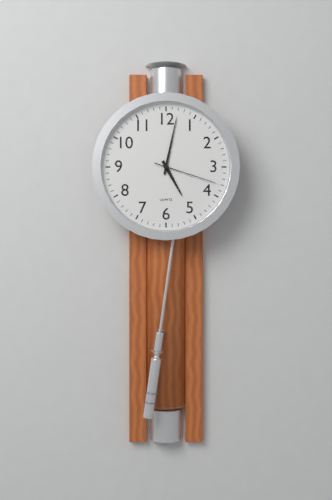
{"hour": 5, "minute": 2, "second": 18}
